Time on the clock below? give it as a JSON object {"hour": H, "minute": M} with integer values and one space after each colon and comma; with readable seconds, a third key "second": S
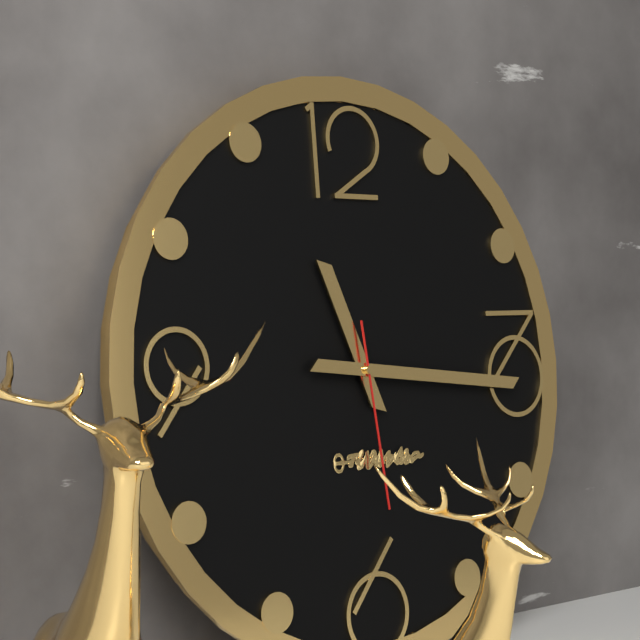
{"hour": 11, "minute": 16, "second": 29}
